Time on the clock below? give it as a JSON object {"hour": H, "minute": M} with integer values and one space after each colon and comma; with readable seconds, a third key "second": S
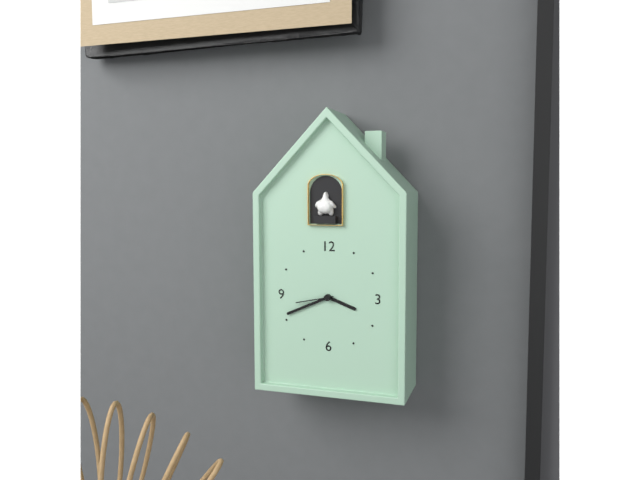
{"hour": 3, "minute": 41}
